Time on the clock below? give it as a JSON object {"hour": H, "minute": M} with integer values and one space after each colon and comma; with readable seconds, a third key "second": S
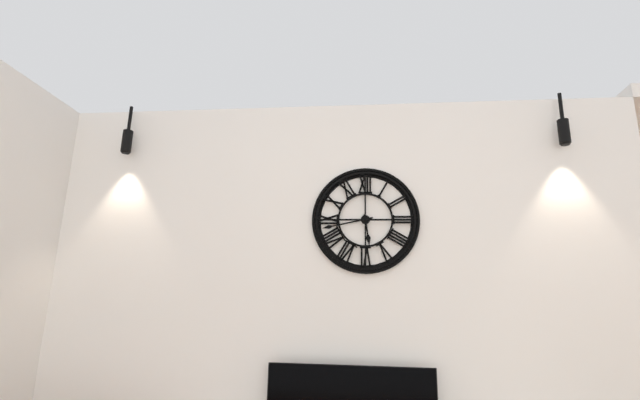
{"hour": 5, "minute": 43}
